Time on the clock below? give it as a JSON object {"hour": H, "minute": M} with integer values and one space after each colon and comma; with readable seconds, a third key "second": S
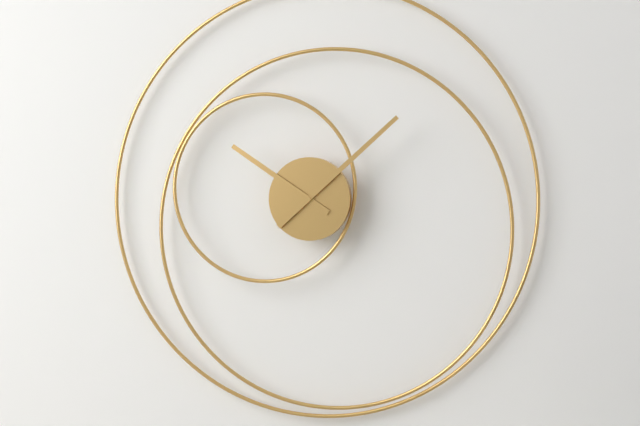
{"hour": 10, "minute": 8}
